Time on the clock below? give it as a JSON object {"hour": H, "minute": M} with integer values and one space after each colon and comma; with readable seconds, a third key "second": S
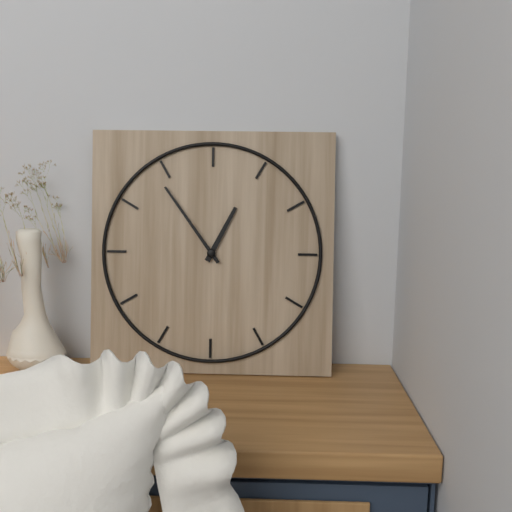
{"hour": 12, "minute": 54}
